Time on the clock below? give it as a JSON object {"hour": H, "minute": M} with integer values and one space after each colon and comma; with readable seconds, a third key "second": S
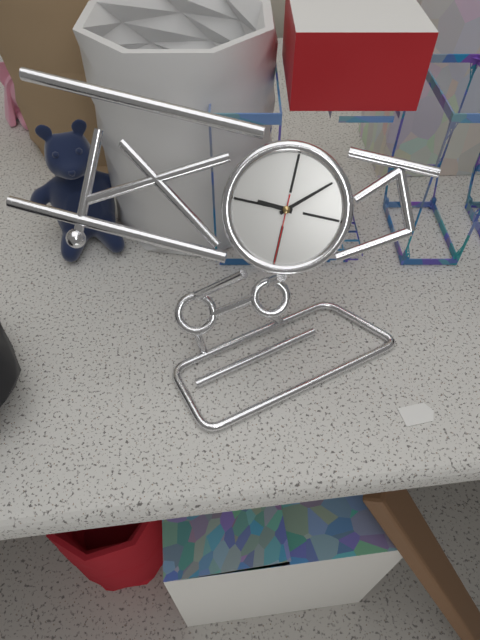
{"hour": 9, "minute": 8, "second": 30}
